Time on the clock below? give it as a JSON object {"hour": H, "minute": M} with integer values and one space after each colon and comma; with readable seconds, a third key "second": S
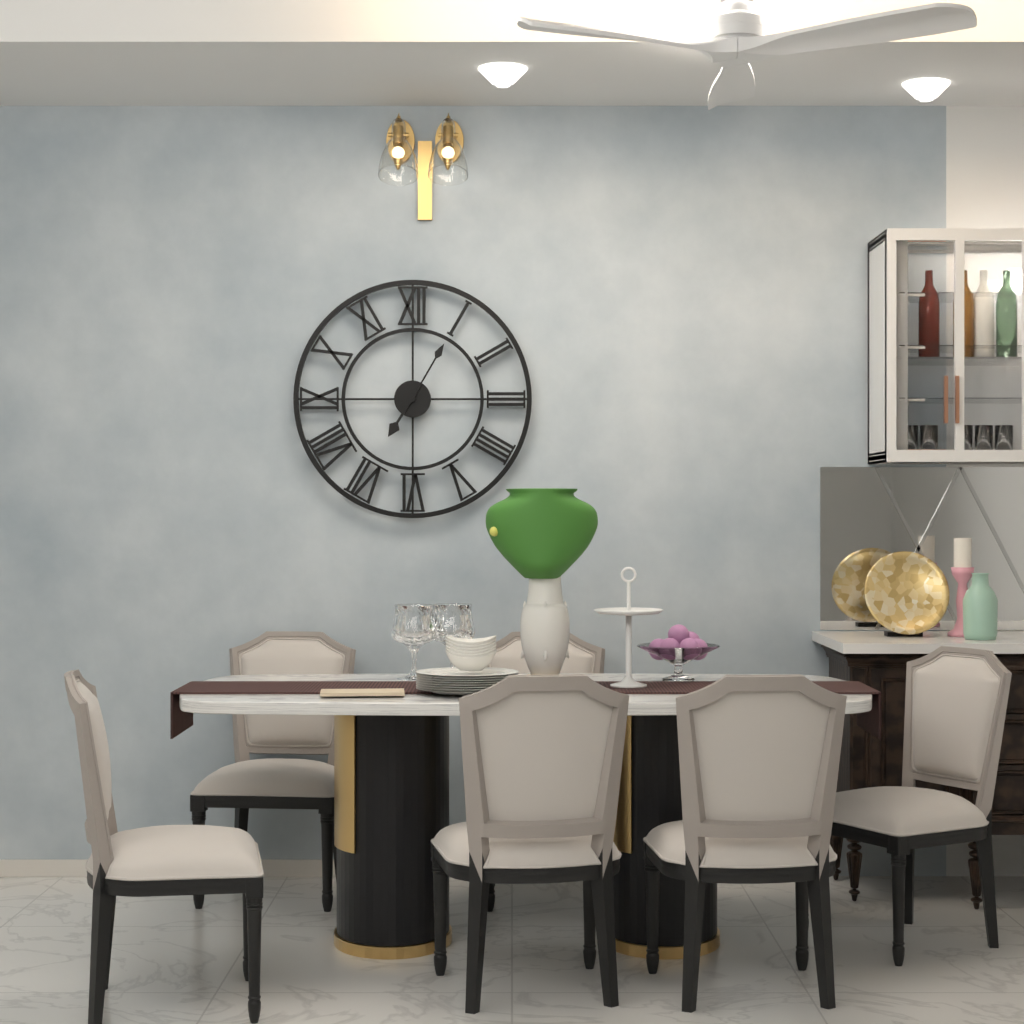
{"hour": 7, "minute": 5}
